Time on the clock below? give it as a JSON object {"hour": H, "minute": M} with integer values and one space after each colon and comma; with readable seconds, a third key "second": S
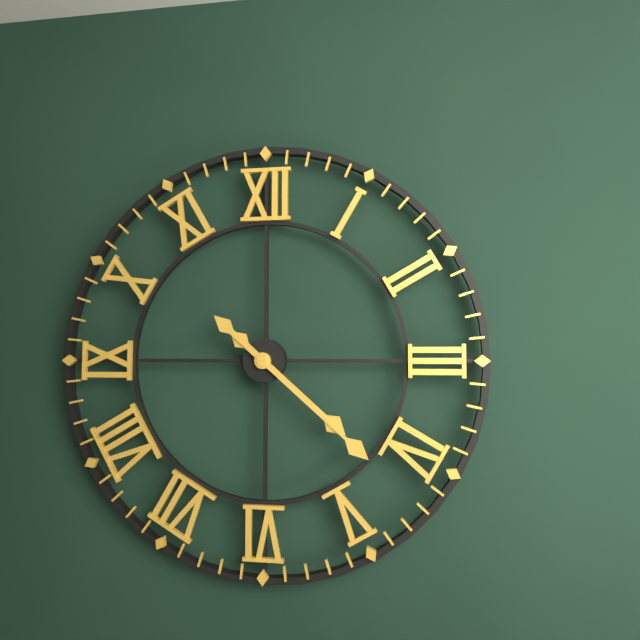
{"hour": 4, "minute": 22}
